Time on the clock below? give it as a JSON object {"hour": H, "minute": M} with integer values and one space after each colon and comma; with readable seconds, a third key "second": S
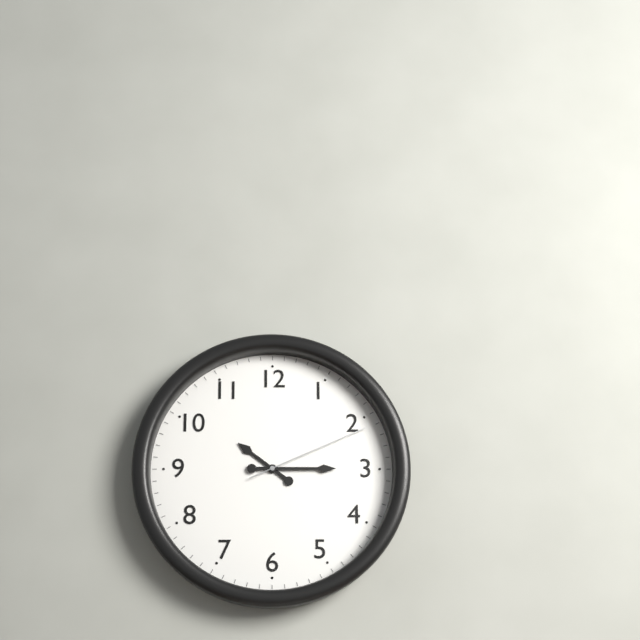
{"hour": 10, "minute": 15, "second": 11}
